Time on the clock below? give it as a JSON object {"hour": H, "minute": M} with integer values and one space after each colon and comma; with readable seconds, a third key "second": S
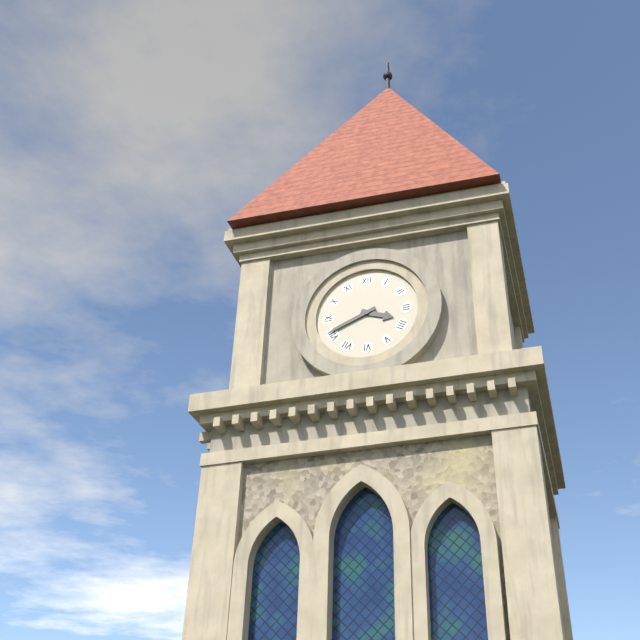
{"hour": 3, "minute": 41}
